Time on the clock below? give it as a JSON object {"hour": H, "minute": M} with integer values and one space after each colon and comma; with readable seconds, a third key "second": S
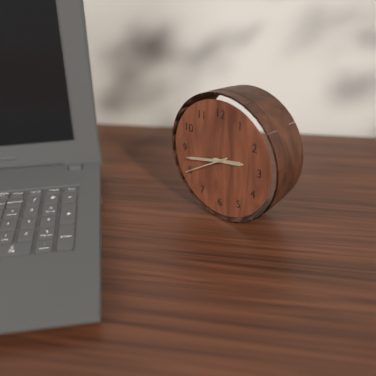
{"hour": 2, "minute": 43}
